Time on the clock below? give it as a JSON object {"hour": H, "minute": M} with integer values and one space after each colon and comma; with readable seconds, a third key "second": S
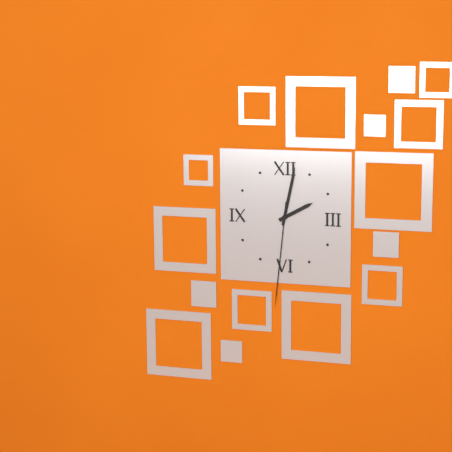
{"hour": 2, "minute": 2, "second": 31}
